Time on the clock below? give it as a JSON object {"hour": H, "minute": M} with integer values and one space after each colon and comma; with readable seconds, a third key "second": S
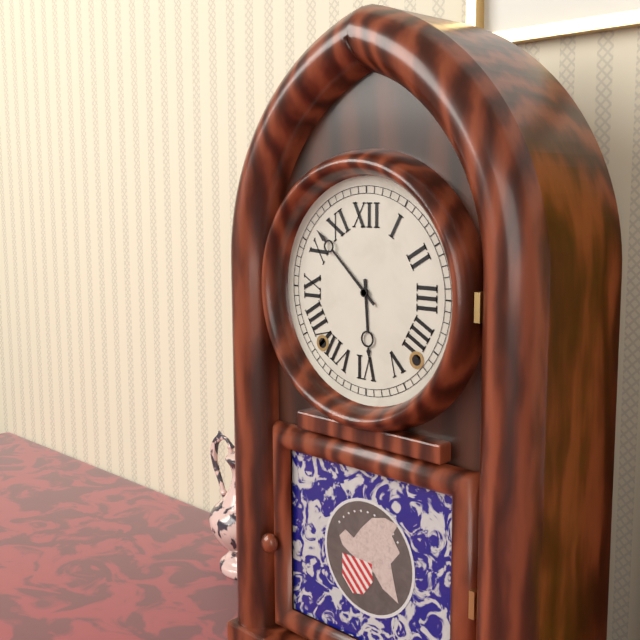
{"hour": 5, "minute": 52}
